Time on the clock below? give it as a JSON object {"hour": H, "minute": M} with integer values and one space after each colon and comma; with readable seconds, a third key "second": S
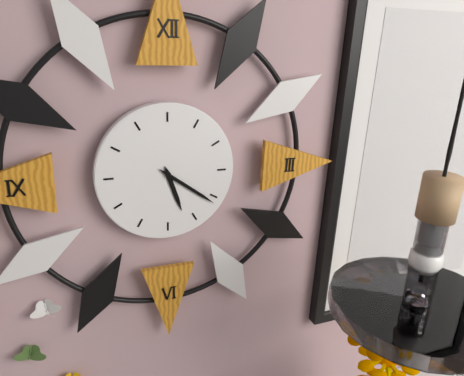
{"hour": 5, "minute": 21}
